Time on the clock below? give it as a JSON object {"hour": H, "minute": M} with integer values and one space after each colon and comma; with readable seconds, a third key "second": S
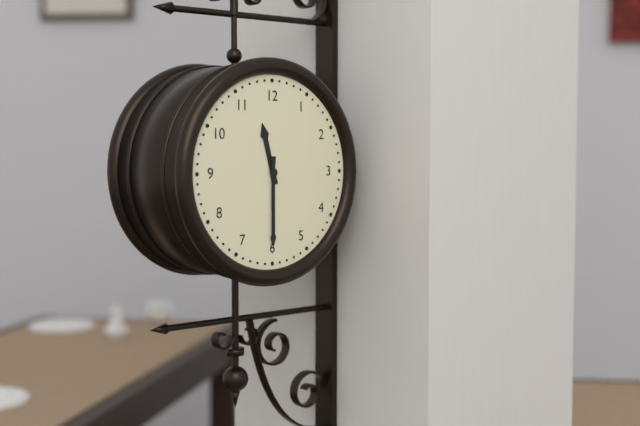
{"hour": 11, "minute": 30}
